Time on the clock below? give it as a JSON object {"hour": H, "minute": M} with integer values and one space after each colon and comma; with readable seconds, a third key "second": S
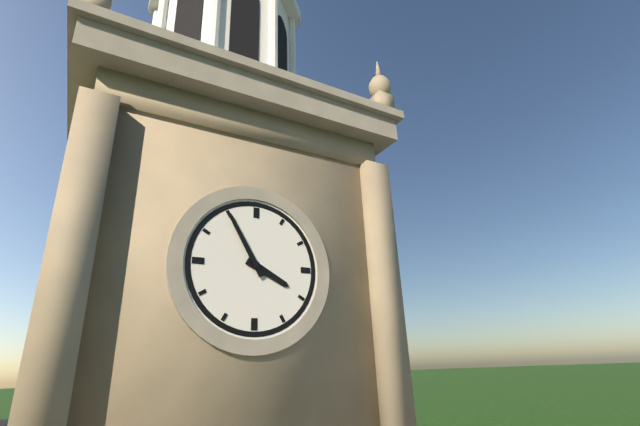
{"hour": 3, "minute": 55}
